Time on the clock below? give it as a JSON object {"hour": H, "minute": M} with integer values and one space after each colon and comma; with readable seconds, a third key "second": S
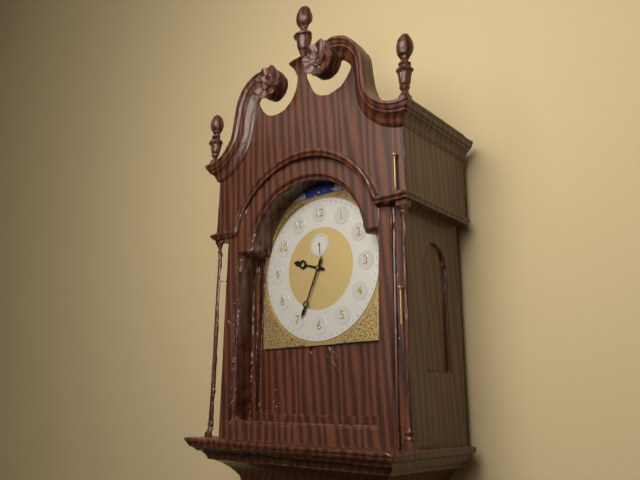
{"hour": 9, "minute": 34}
